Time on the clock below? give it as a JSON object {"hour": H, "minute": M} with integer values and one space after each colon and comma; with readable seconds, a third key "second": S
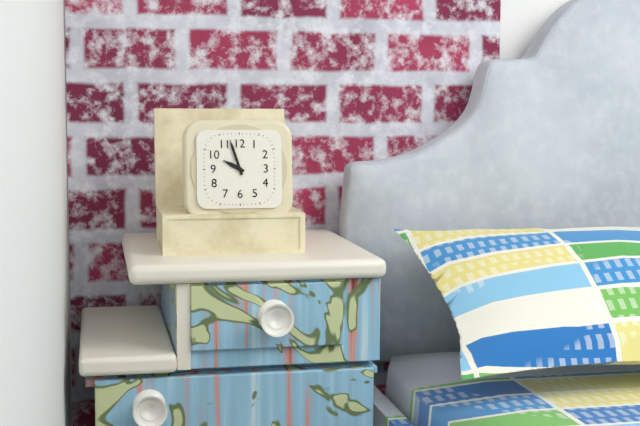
{"hour": 9, "minute": 57}
